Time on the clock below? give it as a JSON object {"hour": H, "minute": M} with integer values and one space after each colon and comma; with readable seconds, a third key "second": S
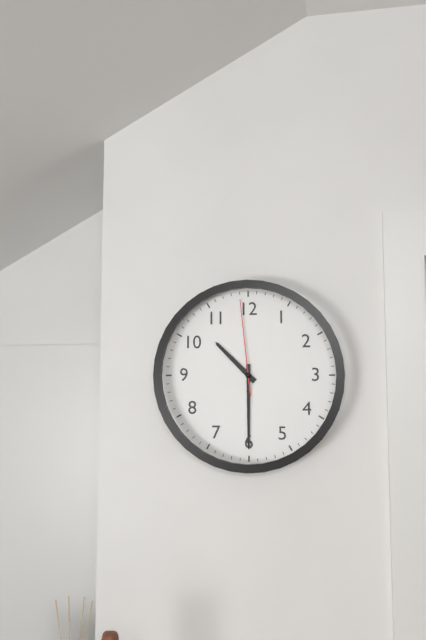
{"hour": 10, "minute": 30, "second": 59}
